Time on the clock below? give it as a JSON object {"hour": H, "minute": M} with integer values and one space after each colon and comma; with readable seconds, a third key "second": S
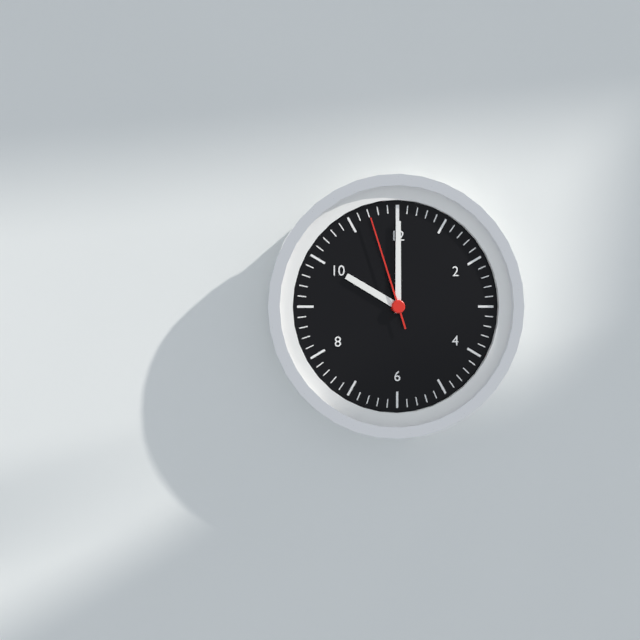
{"hour": 10, "minute": 0, "second": 57}
